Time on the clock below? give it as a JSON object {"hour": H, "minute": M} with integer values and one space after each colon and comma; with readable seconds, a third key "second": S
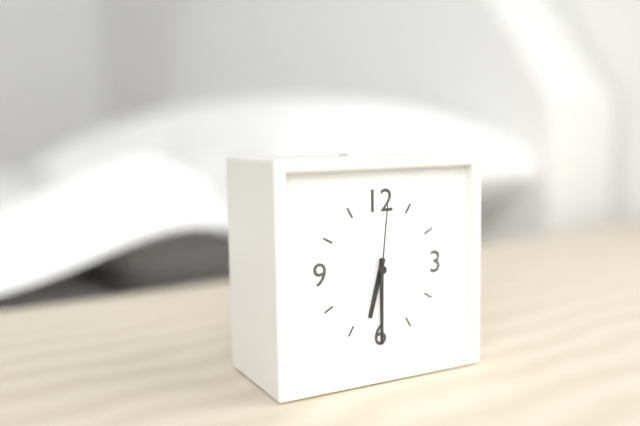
{"hour": 6, "minute": 30, "second": 1}
